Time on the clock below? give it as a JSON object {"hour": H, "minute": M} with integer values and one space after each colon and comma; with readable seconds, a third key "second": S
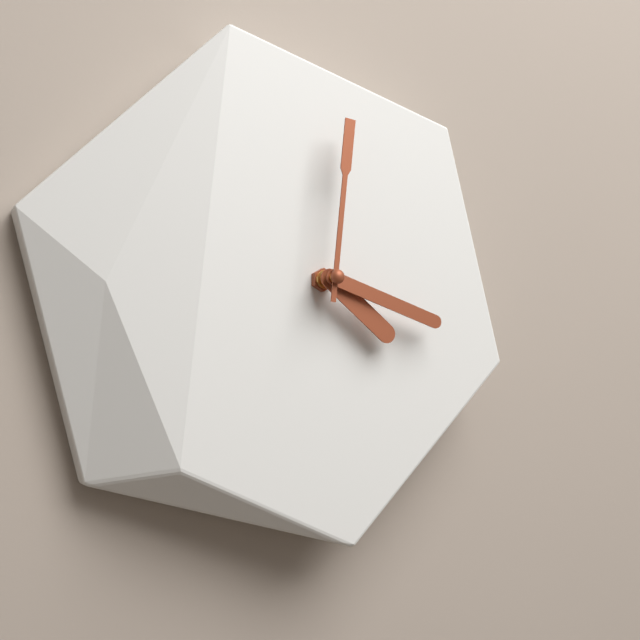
{"hour": 4, "minute": 18, "second": 1}
